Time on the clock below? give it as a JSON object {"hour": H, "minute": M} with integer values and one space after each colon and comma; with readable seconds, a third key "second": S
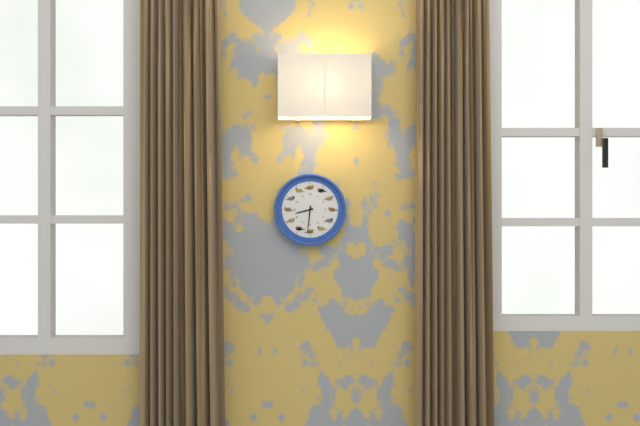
{"hour": 8, "minute": 31}
